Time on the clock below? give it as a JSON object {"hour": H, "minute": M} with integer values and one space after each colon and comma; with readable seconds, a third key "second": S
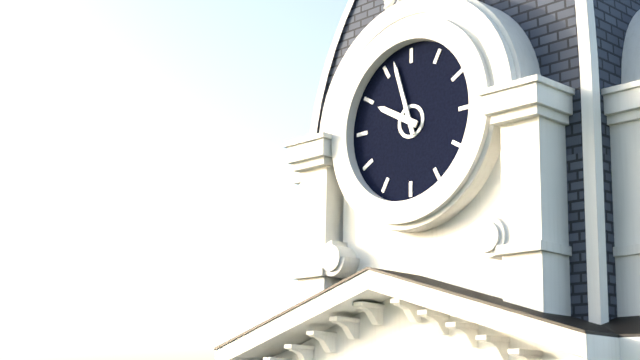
{"hour": 9, "minute": 57}
